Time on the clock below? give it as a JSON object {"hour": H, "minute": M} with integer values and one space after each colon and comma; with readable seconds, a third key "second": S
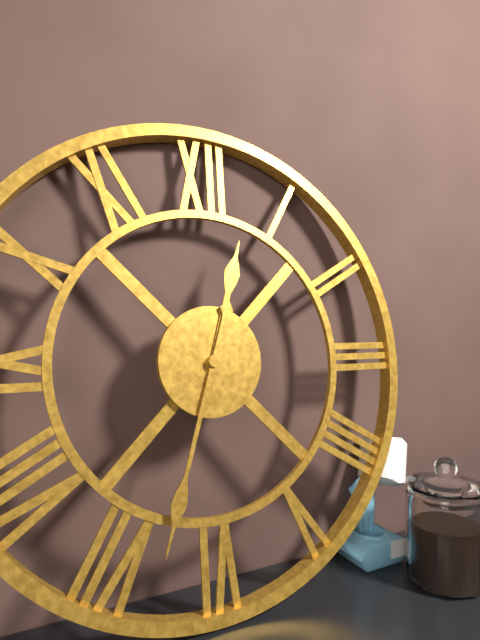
{"hour": 12, "minute": 33}
